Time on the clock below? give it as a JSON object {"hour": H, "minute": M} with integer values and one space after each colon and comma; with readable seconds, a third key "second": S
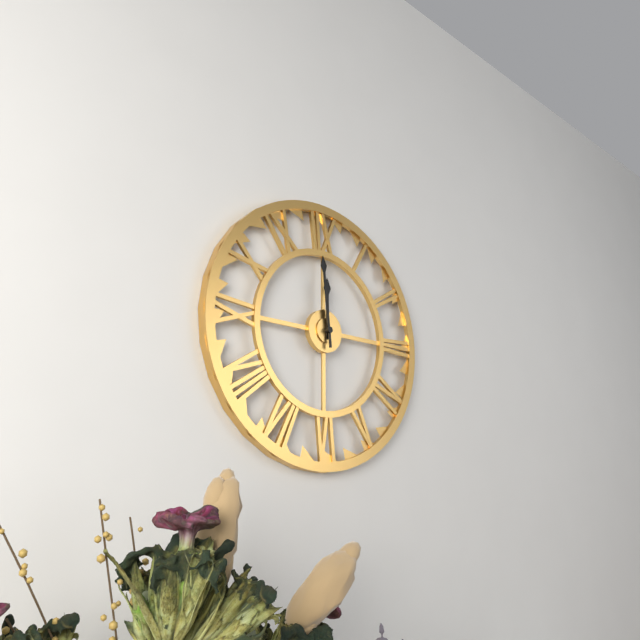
{"hour": 11, "minute": 59}
